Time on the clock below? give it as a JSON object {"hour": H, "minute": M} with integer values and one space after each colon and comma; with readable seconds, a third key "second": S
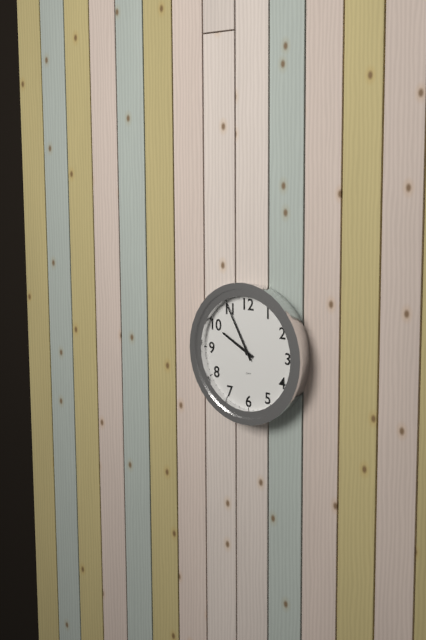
{"hour": 9, "minute": 55}
